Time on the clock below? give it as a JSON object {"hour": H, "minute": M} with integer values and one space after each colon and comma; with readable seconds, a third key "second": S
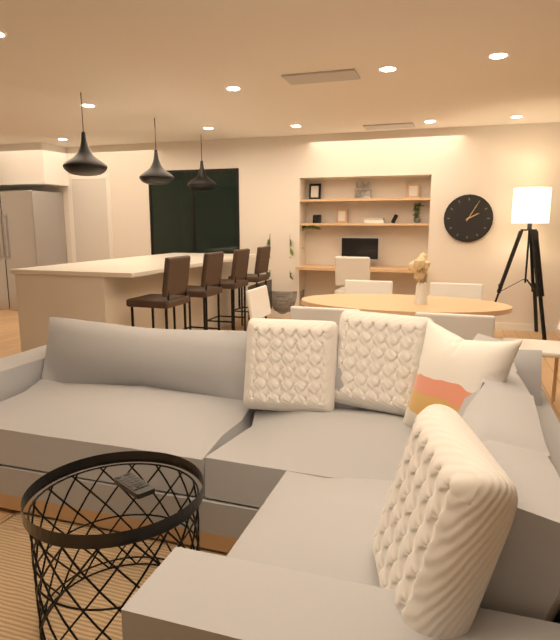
{"hour": 2, "minute": 5}
